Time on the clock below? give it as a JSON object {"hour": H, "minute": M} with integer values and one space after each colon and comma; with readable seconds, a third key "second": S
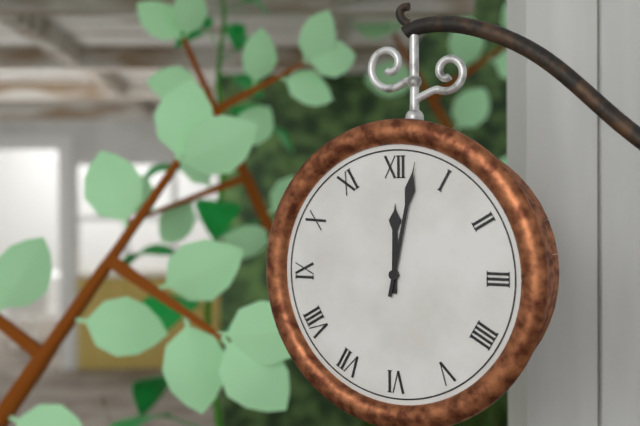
{"hour": 12, "minute": 2}
